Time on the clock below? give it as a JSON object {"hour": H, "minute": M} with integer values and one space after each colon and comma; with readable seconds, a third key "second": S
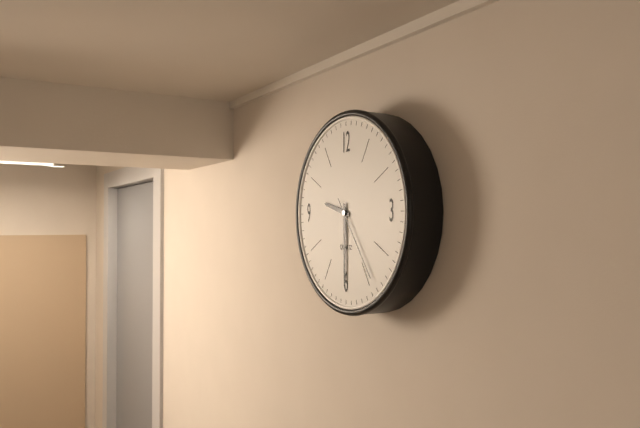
{"hour": 9, "minute": 30, "second": 24}
